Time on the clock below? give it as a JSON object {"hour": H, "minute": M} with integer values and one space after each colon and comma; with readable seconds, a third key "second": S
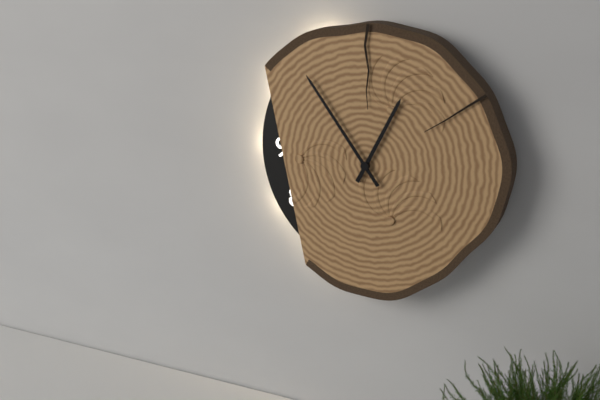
{"hour": 12, "minute": 54}
